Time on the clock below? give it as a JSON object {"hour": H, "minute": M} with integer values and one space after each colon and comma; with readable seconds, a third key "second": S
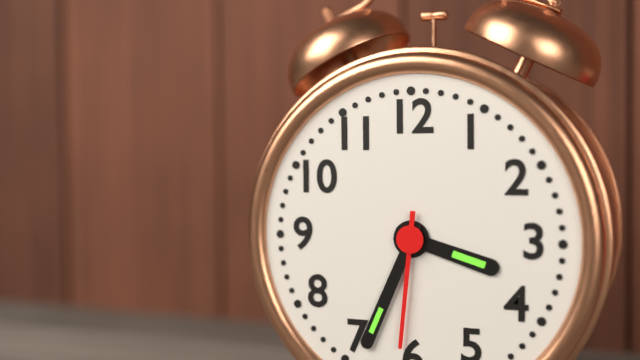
{"hour": 3, "minute": 34, "second": 31}
